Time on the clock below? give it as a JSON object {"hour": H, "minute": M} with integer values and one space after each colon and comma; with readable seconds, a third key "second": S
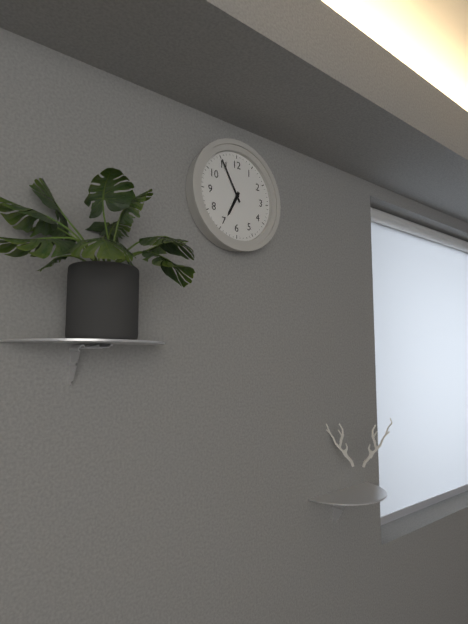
{"hour": 6, "minute": 55}
